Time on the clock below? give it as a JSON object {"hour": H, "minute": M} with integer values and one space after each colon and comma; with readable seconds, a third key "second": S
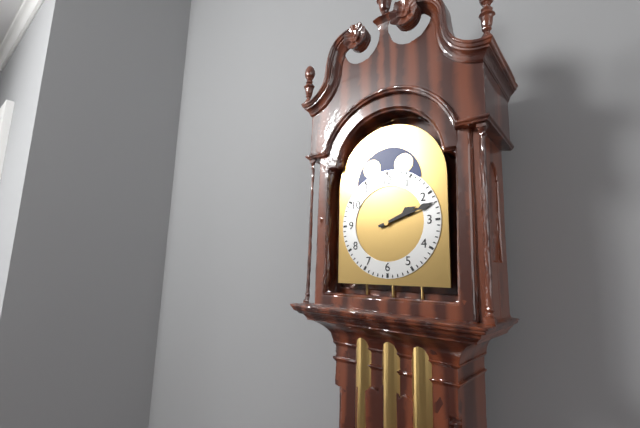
{"hour": 2, "minute": 12}
